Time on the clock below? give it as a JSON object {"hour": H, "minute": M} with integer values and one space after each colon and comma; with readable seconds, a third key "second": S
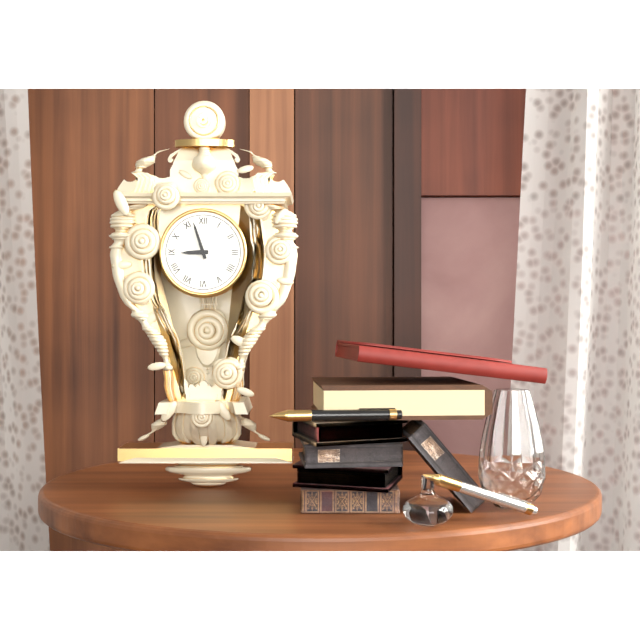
{"hour": 8, "minute": 57}
